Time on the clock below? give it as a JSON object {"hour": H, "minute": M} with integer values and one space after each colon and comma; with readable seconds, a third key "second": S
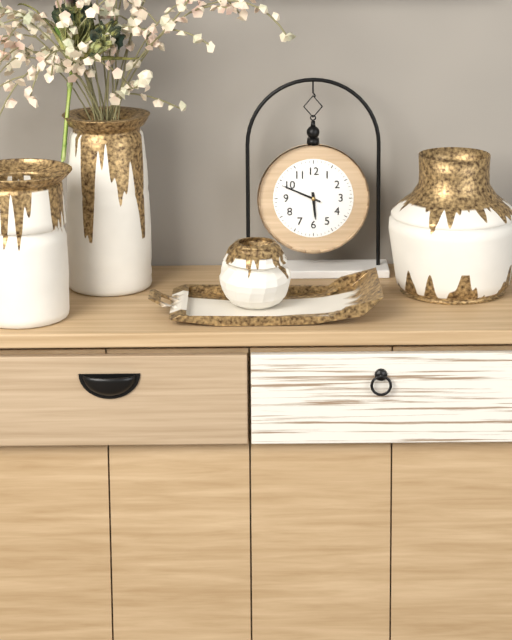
{"hour": 5, "minute": 49}
